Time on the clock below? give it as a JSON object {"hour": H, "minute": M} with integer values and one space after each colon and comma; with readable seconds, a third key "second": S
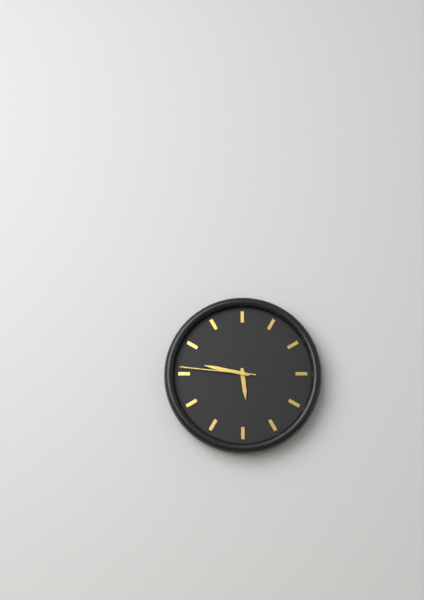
{"hour": 5, "minute": 47, "second": 46}
